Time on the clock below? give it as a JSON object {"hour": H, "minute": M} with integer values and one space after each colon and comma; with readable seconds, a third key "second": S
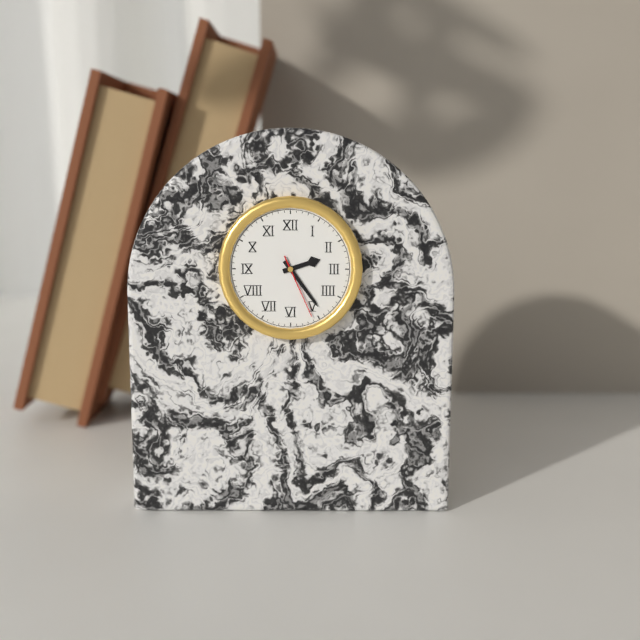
{"hour": 2, "minute": 24, "second": 26}
